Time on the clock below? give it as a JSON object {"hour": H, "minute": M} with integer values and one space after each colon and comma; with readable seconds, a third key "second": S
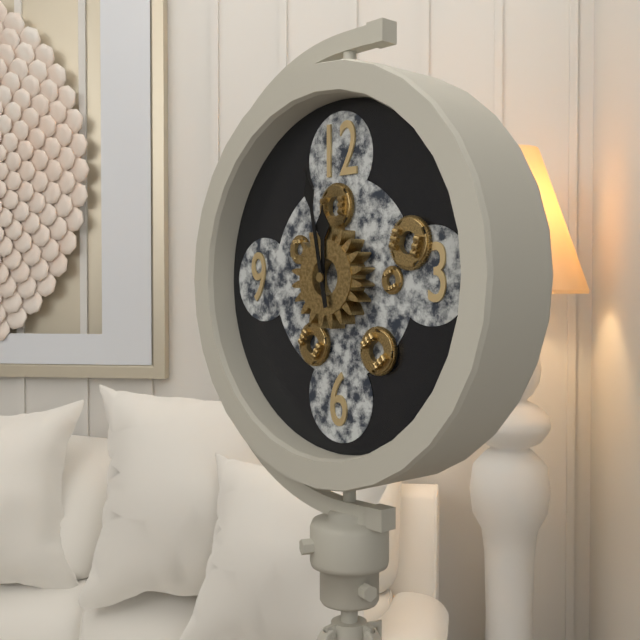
{"hour": 11, "minute": 58}
